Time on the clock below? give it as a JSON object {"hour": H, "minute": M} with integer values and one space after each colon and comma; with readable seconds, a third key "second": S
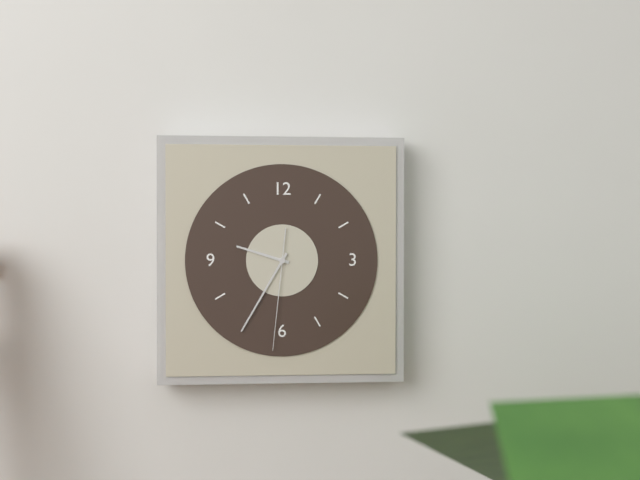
{"hour": 9, "minute": 35, "second": 31}
